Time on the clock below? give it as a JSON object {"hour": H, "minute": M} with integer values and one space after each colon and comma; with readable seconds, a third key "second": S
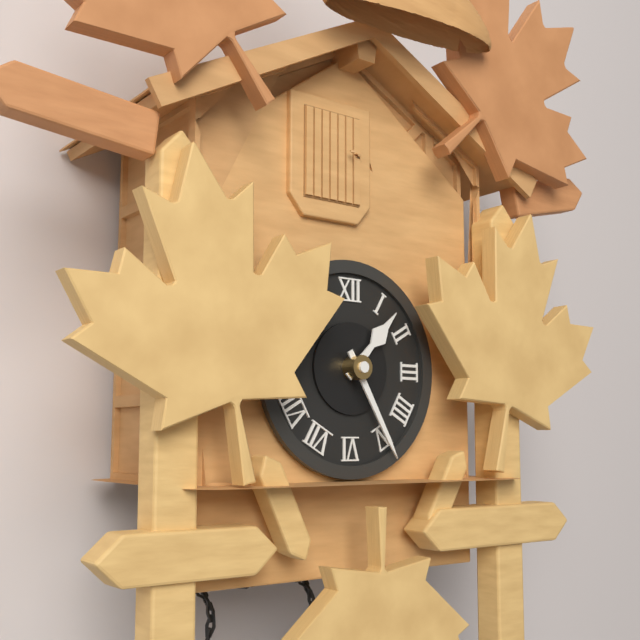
{"hour": 1, "minute": 25}
